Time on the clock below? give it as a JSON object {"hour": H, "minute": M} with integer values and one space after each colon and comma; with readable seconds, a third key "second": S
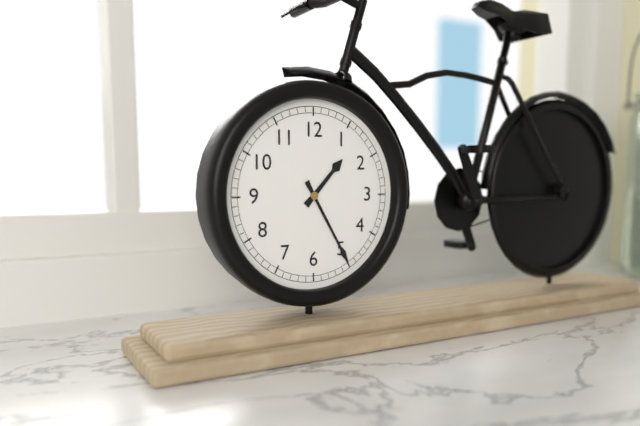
{"hour": 1, "minute": 25}
